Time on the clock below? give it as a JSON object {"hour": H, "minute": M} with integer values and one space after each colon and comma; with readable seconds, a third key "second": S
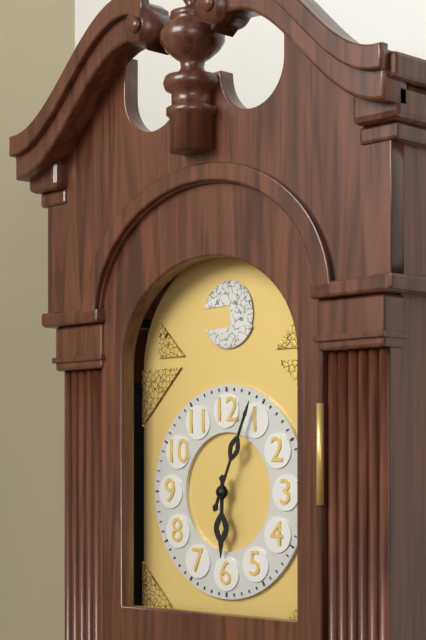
{"hour": 6, "minute": 4}
